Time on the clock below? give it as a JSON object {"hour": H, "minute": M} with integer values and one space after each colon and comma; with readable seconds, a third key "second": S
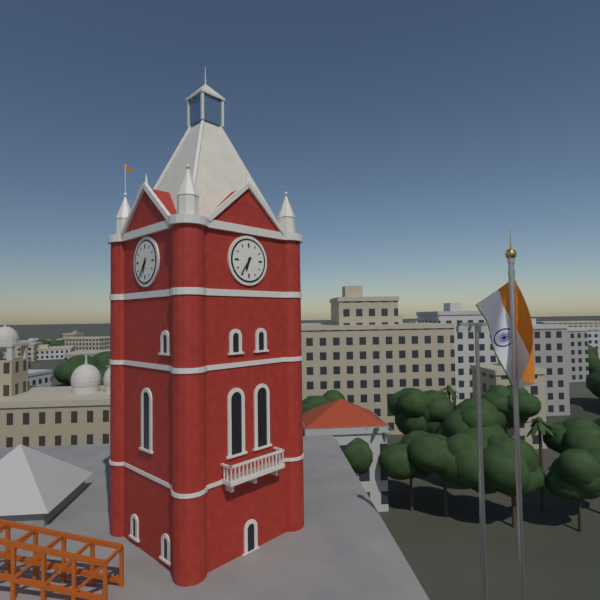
{"hour": 6, "minute": 36}
